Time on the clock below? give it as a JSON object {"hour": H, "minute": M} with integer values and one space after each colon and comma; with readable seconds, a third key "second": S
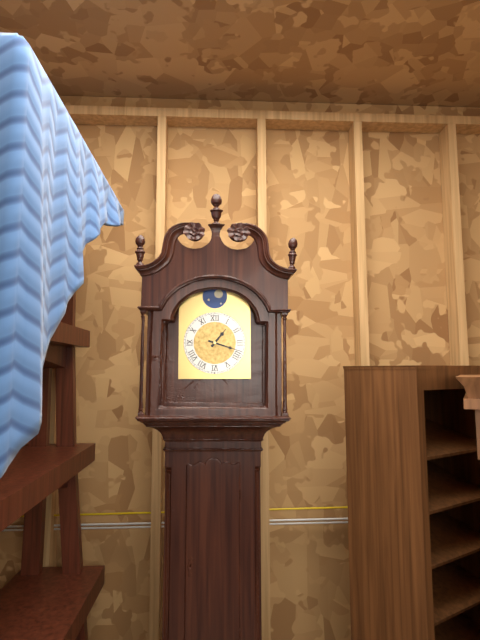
{"hour": 1, "minute": 18}
